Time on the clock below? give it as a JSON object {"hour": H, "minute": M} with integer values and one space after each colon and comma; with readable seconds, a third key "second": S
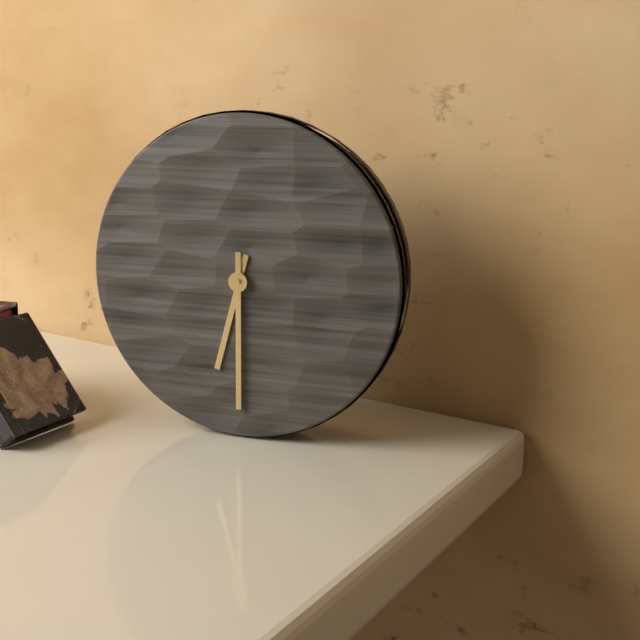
{"hour": 6, "minute": 30}
